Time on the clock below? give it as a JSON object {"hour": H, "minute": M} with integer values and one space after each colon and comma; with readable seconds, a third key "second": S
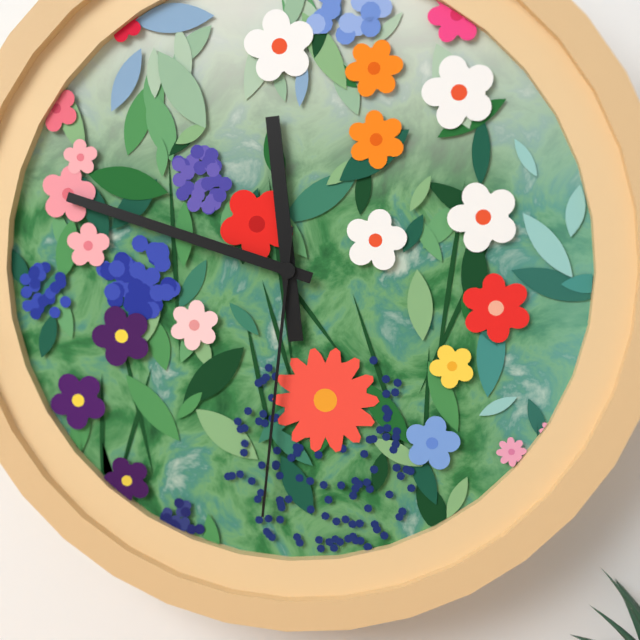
{"hour": 11, "minute": 48, "second": 31}
